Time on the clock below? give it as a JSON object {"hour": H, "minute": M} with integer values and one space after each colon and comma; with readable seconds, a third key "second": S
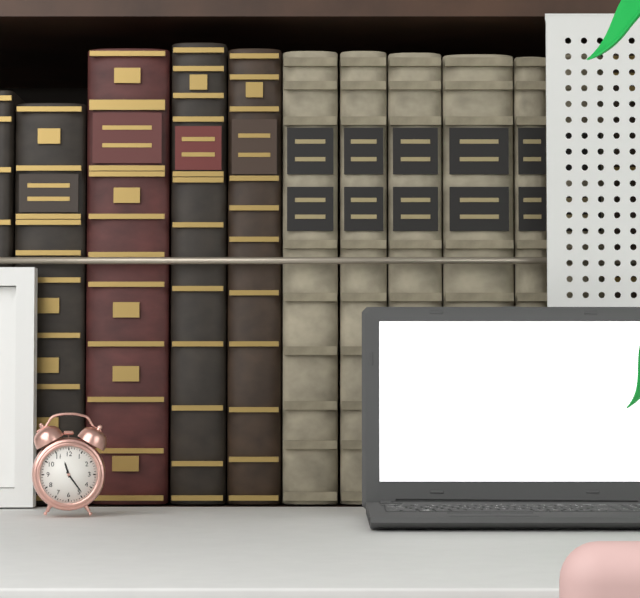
{"hour": 11, "minute": 24}
